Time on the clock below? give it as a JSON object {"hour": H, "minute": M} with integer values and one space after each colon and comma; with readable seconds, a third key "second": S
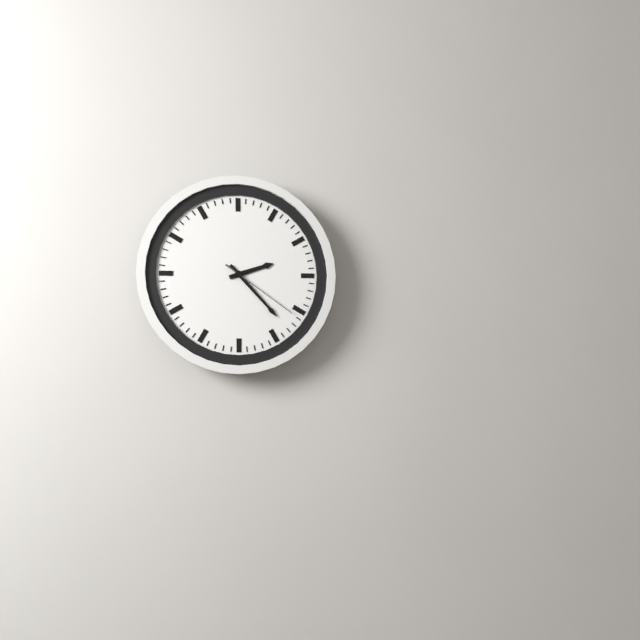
{"hour": 2, "minute": 23, "second": 21}
